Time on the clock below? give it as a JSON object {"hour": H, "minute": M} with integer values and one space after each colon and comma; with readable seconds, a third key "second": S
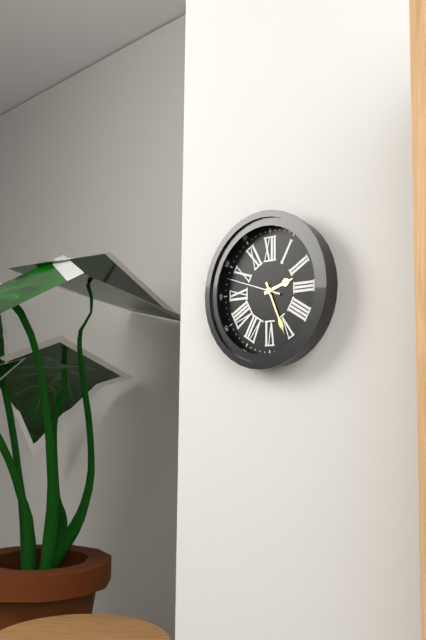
{"hour": 2, "minute": 26, "second": 48}
